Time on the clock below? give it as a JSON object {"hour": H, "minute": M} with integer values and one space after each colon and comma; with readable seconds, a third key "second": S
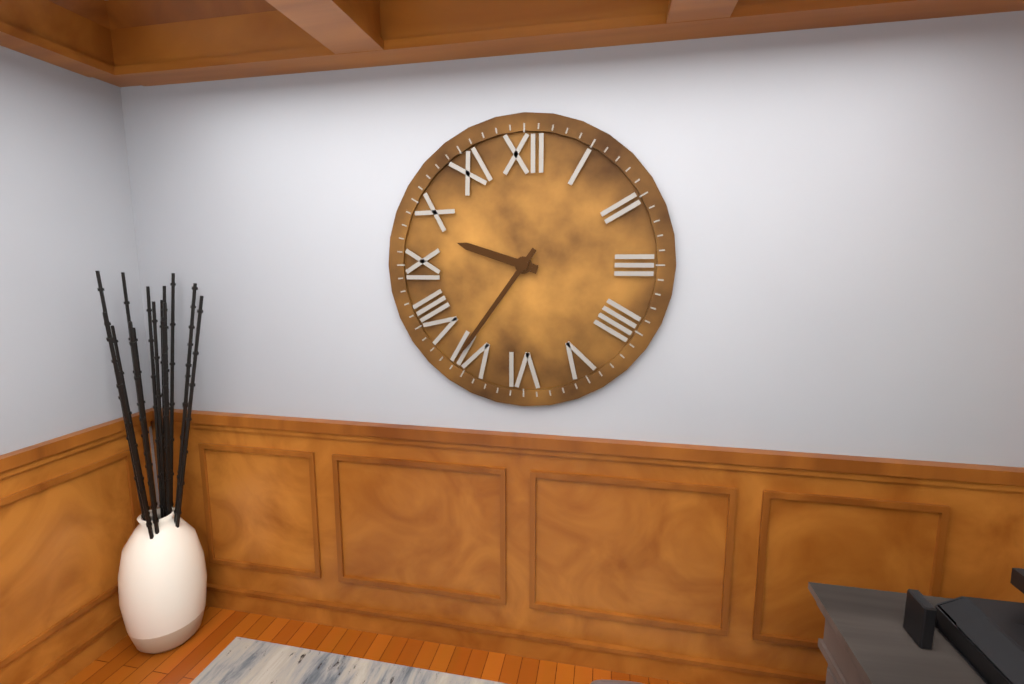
{"hour": 9, "minute": 36}
